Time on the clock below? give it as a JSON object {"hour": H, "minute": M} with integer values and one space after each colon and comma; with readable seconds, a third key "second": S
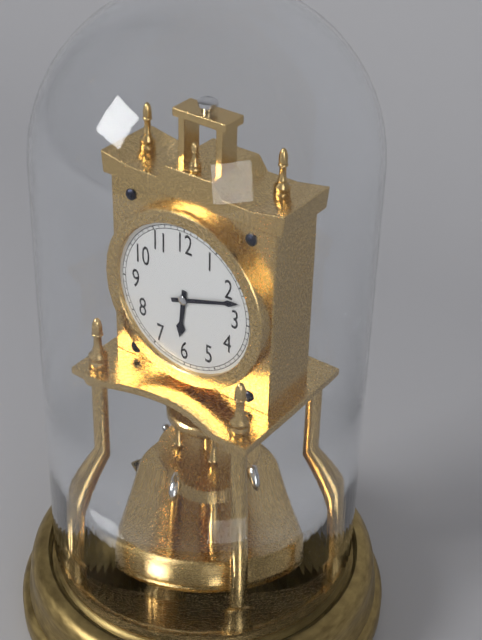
{"hour": 6, "minute": 12}
